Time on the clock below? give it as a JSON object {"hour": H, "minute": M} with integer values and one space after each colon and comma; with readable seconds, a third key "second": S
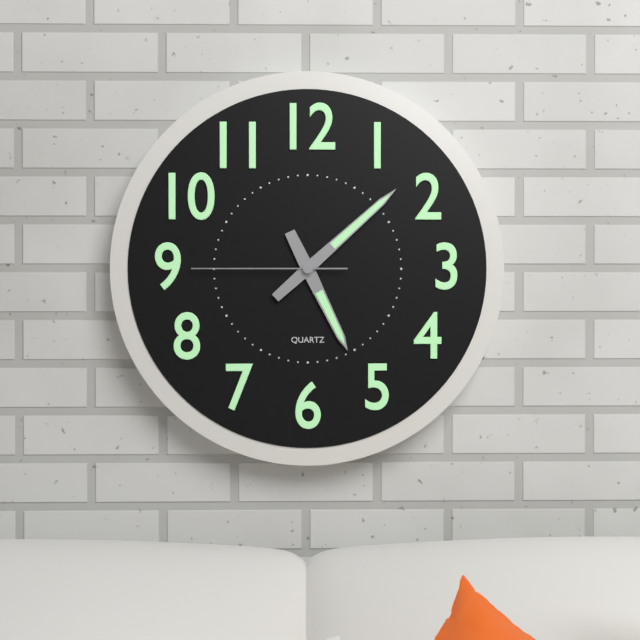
{"hour": 5, "minute": 8, "second": 45}
